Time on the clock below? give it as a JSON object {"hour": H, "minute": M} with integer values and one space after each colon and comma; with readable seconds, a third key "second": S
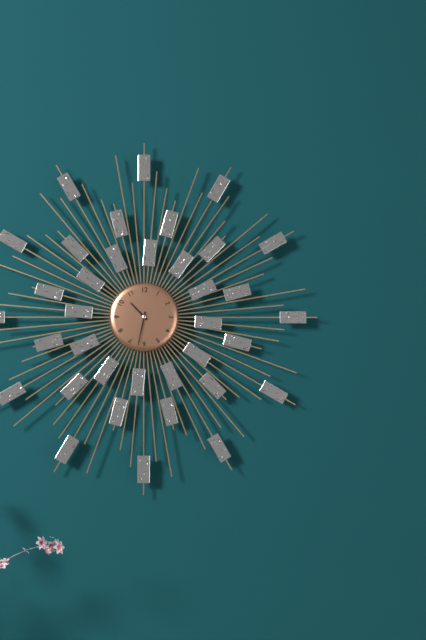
{"hour": 10, "minute": 32}
